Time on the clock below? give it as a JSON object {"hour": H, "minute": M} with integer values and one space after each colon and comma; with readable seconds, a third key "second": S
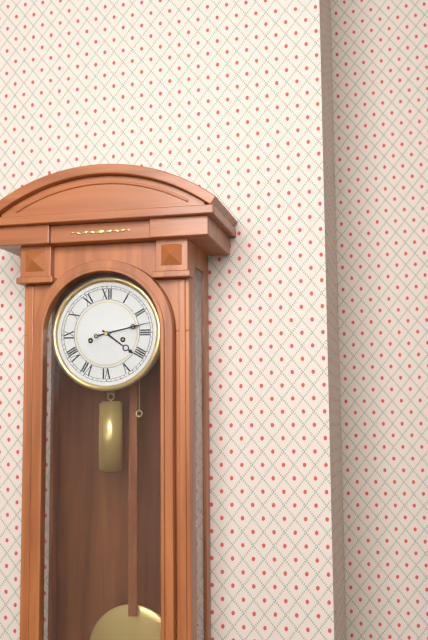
{"hour": 4, "minute": 13}
